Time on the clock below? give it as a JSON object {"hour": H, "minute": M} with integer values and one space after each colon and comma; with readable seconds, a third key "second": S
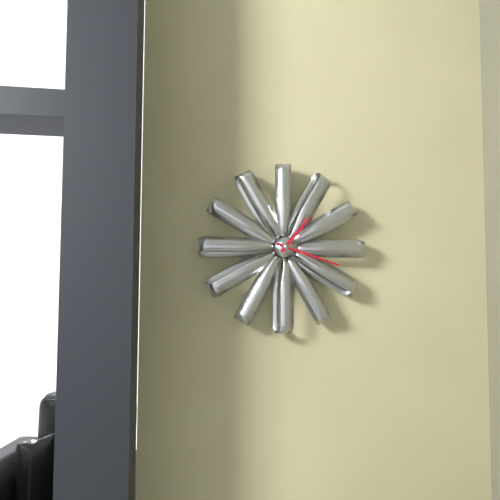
{"hour": 1, "minute": 18}
